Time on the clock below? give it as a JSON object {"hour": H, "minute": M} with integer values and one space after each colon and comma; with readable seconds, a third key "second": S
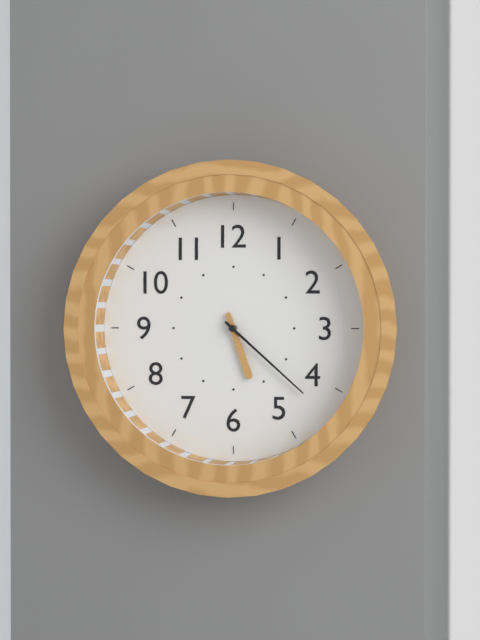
{"hour": 5, "minute": 22}
